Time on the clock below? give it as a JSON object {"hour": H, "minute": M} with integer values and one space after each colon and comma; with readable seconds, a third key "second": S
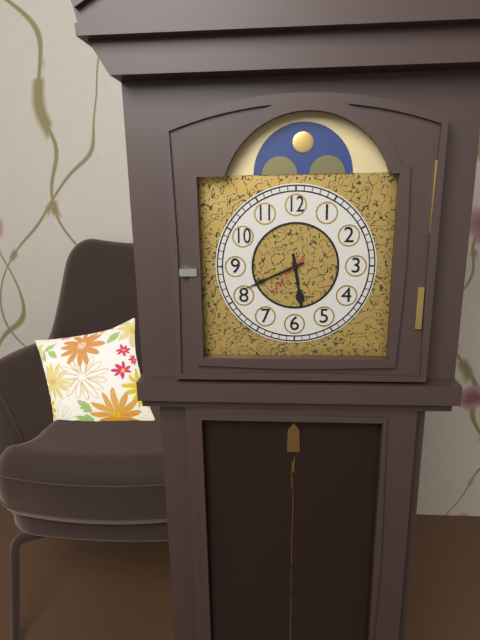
{"hour": 5, "minute": 41}
